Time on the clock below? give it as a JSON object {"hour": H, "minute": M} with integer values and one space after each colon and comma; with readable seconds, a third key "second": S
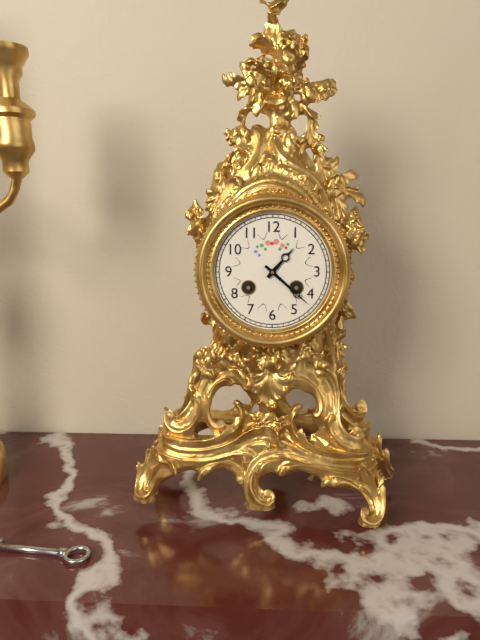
{"hour": 1, "minute": 22}
